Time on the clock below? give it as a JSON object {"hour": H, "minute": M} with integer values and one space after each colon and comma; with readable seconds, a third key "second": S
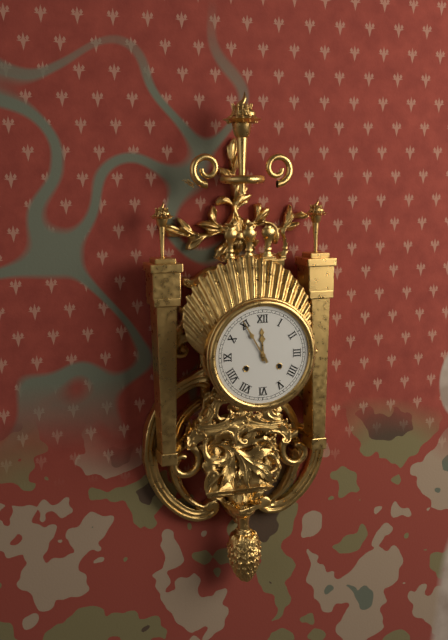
{"hour": 11, "minute": 55}
